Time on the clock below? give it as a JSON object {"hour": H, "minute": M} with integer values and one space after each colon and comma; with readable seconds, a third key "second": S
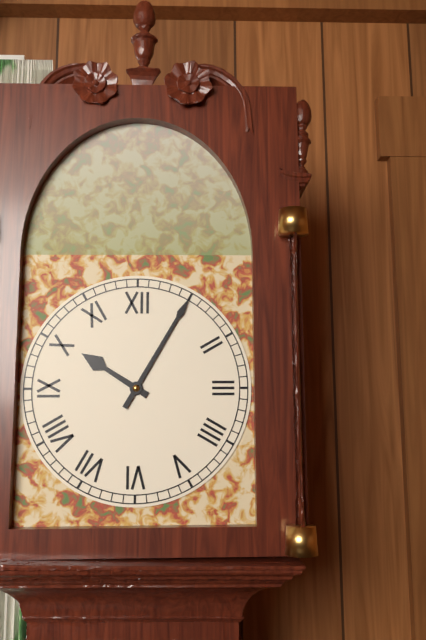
{"hour": 10, "minute": 5}
